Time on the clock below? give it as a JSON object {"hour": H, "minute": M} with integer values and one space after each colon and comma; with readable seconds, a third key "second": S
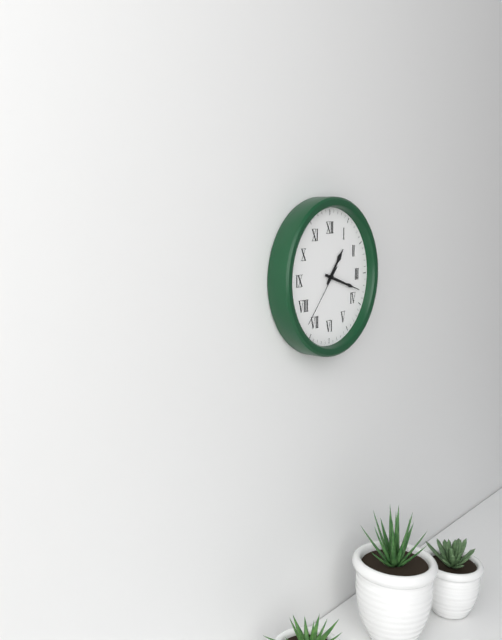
{"hour": 1, "minute": 18, "second": 37}
